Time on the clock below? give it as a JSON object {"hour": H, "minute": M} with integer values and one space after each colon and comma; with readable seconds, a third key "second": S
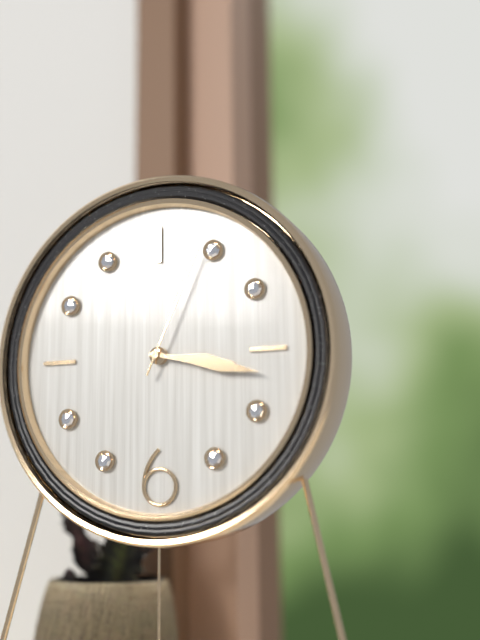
{"hour": 3, "minute": 17, "second": 4}
